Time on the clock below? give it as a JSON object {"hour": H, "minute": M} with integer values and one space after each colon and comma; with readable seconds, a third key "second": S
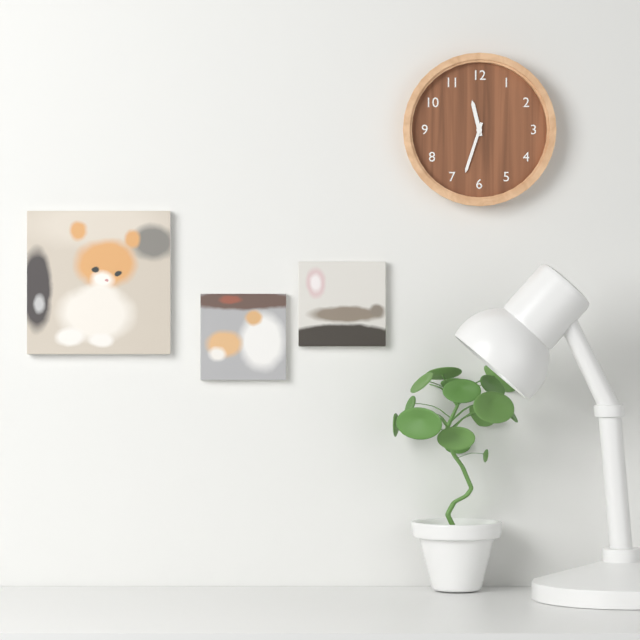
{"hour": 11, "minute": 33}
